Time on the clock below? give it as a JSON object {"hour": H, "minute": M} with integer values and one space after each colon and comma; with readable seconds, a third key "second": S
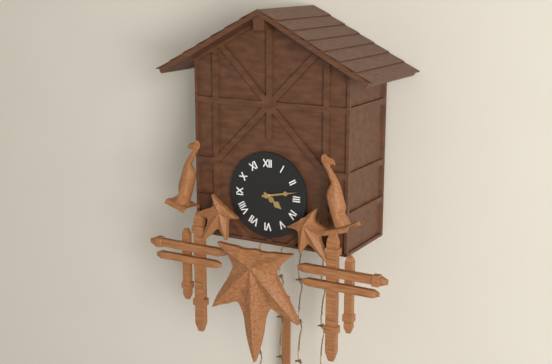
{"hour": 4, "minute": 13}
